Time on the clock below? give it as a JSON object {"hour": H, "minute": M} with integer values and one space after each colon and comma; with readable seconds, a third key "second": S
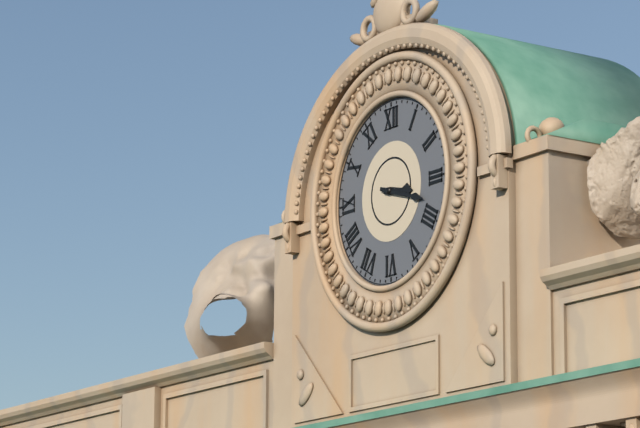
{"hour": 3, "minute": 18}
